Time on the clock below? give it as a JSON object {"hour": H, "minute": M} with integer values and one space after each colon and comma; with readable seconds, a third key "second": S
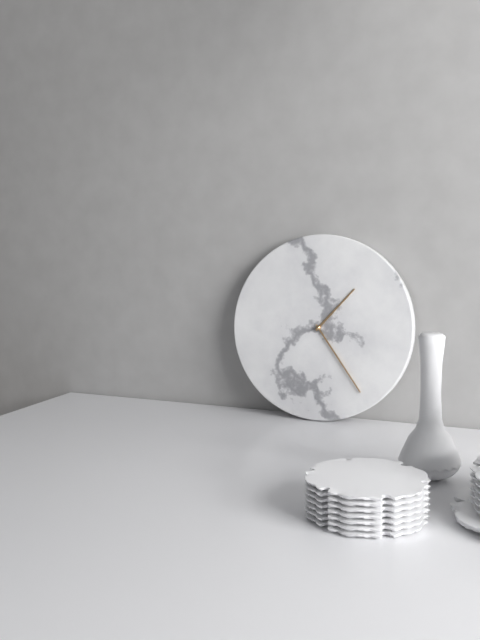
{"hour": 1, "minute": 24}
